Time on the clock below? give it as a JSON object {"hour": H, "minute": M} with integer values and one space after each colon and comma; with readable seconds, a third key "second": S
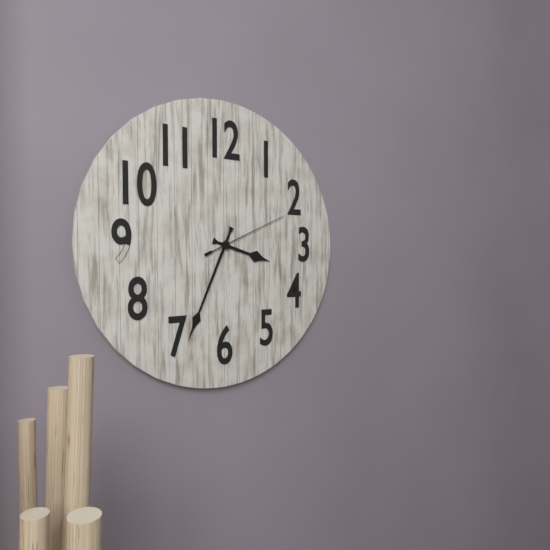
{"hour": 3, "minute": 34, "second": 11}
